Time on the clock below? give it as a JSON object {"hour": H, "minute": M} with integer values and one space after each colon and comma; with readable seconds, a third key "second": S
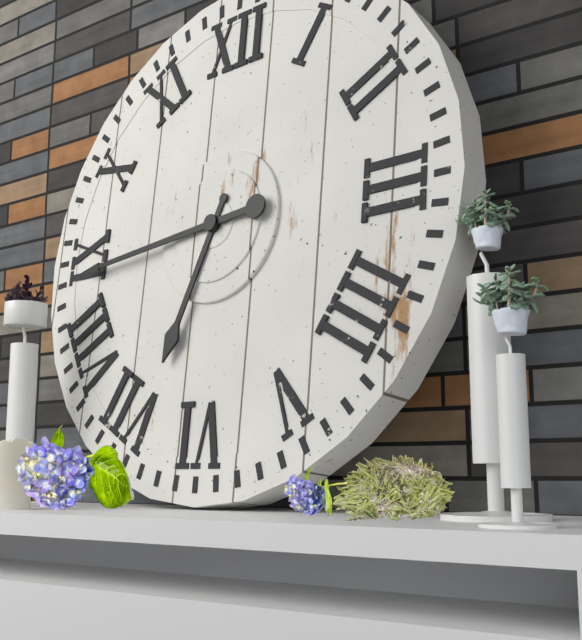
{"hour": 6, "minute": 44}
